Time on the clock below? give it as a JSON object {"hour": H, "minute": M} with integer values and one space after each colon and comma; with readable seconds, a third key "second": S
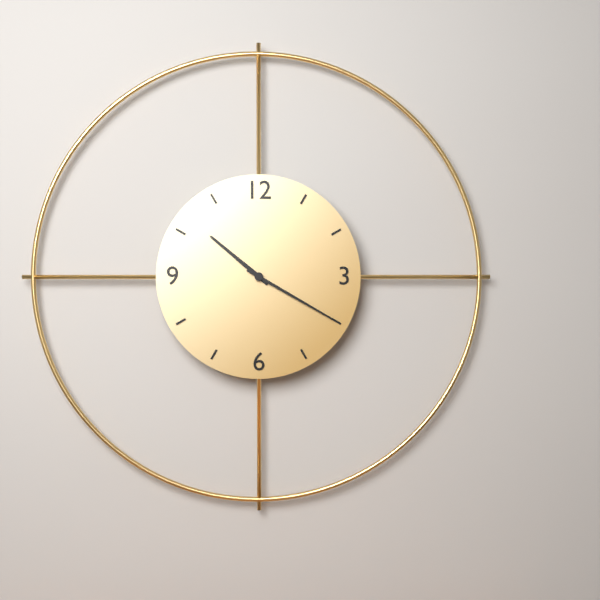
{"hour": 10, "minute": 20}
